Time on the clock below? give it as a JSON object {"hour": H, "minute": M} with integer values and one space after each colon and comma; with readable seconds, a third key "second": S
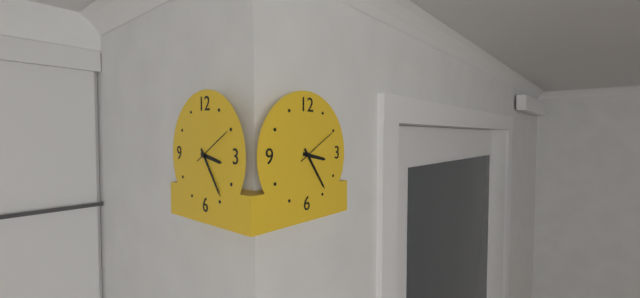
{"hour": 3, "minute": 24}
